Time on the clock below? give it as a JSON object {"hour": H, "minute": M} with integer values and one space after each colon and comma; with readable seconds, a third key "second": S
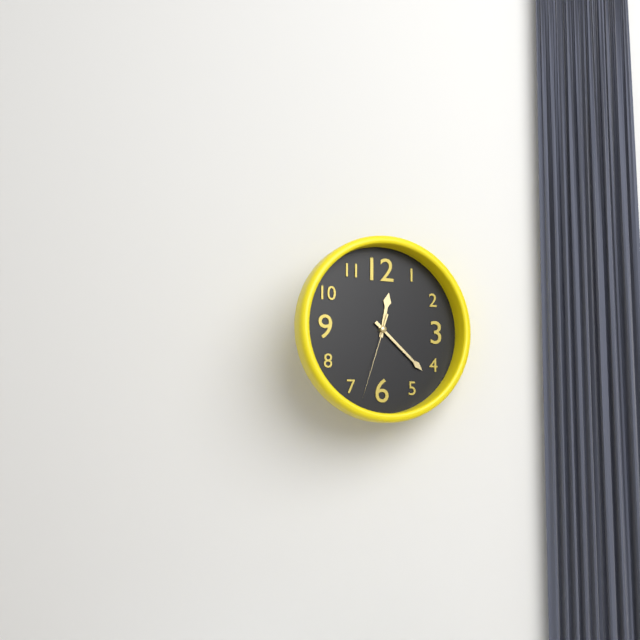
{"hour": 12, "minute": 22, "second": 33}
